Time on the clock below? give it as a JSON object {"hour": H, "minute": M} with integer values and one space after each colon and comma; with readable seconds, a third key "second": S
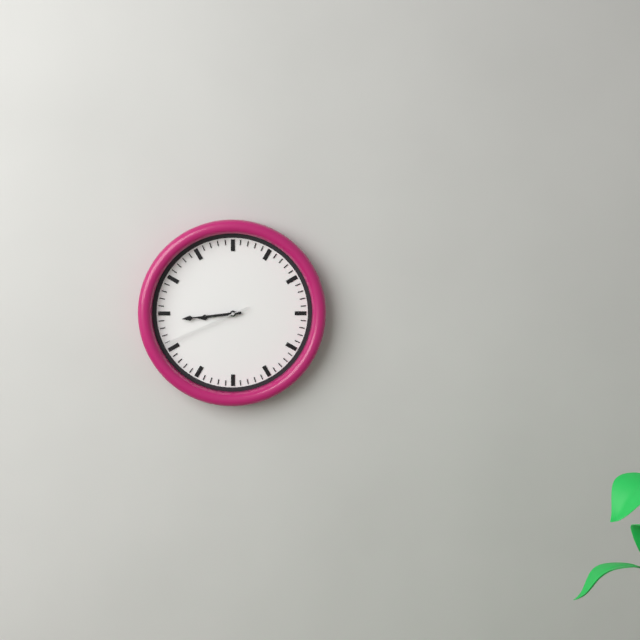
{"hour": 8, "minute": 44, "second": 41}
